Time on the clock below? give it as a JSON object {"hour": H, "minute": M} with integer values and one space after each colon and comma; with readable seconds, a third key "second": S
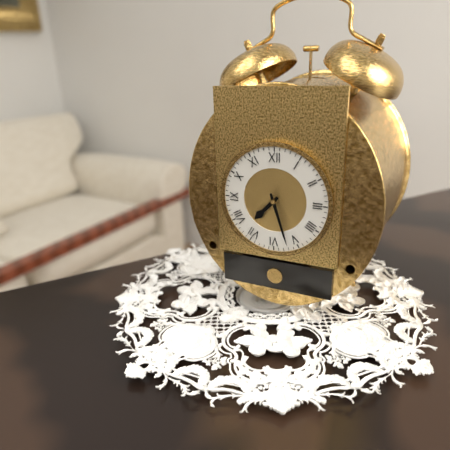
{"hour": 7, "minute": 27}
